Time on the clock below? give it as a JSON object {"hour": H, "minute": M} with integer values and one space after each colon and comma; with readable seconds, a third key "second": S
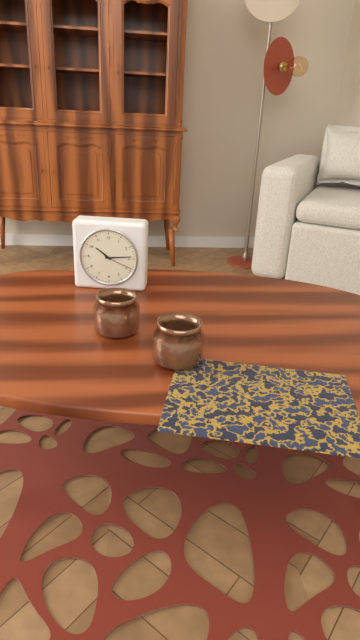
{"hour": 10, "minute": 14}
